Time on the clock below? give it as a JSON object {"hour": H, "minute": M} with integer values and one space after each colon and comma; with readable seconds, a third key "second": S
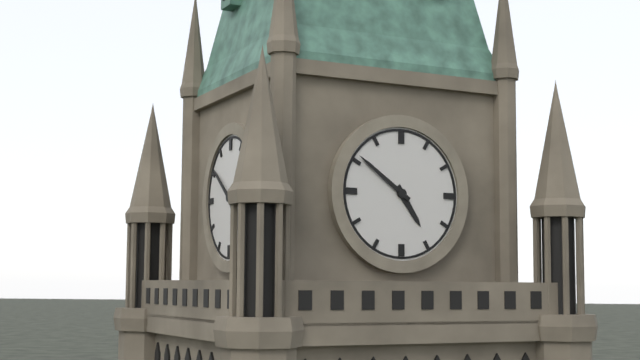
{"hour": 4, "minute": 51}
